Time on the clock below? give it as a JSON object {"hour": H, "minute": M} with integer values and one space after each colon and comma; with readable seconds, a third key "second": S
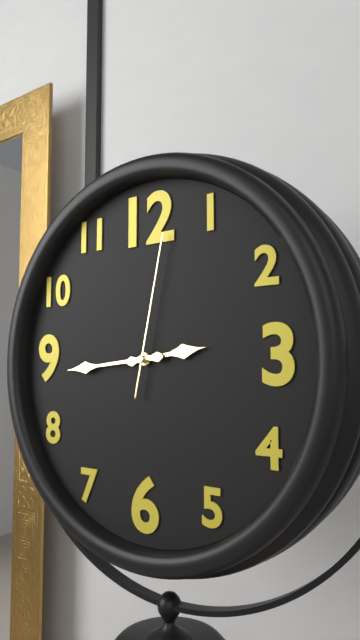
{"hour": 2, "minute": 44, "second": 2}
